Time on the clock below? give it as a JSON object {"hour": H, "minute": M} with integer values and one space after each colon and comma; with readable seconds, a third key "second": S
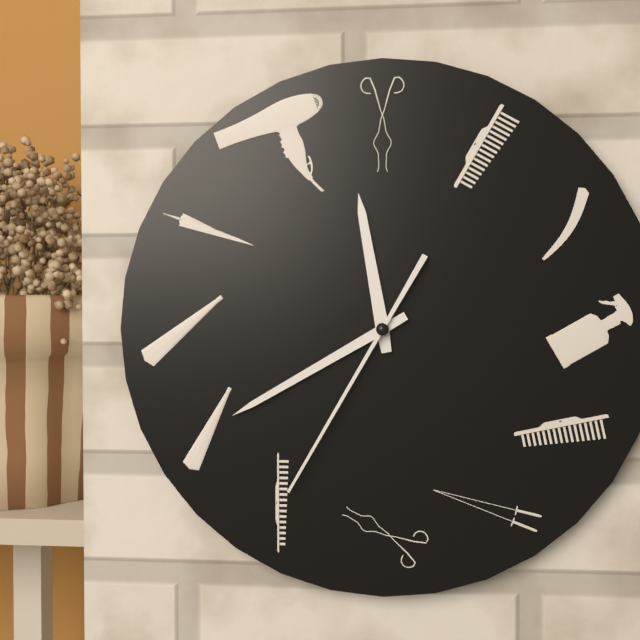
{"hour": 11, "minute": 40, "second": 35}
